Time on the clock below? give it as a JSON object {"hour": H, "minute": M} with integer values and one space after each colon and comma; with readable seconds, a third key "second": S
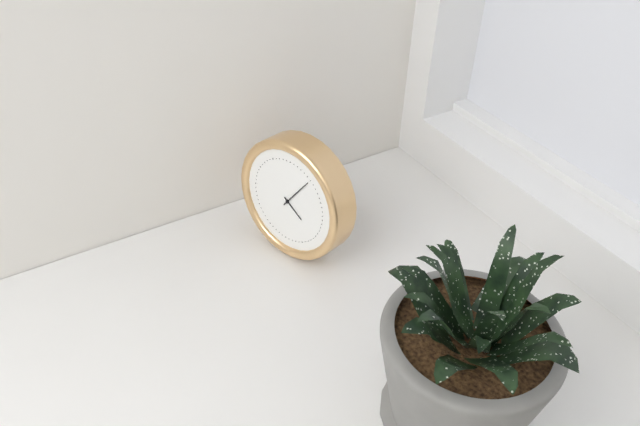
{"hour": 4, "minute": 6}
